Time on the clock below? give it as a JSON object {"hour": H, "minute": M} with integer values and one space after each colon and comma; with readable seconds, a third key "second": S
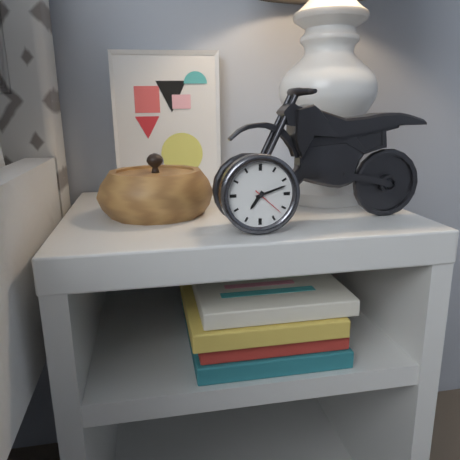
{"hour": 7, "minute": 12}
